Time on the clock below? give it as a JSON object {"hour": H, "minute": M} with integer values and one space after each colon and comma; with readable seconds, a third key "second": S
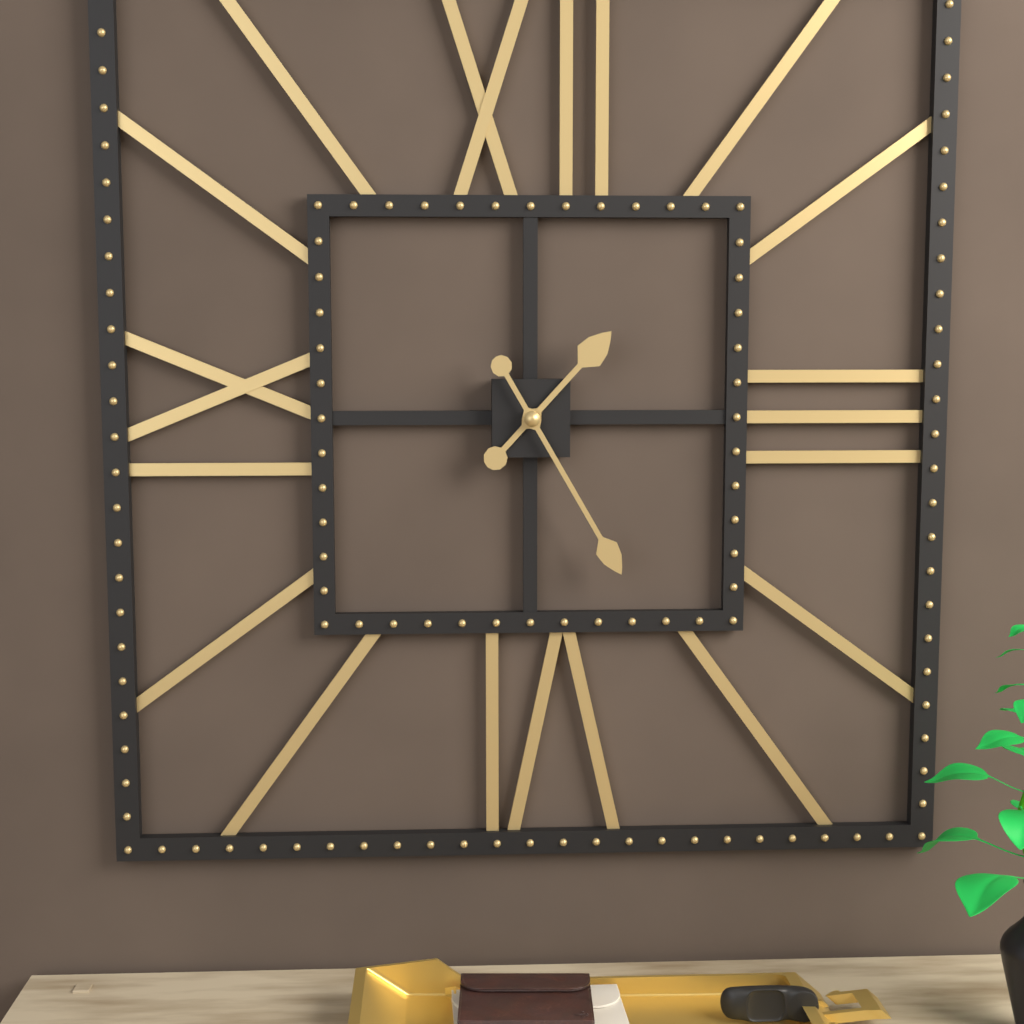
{"hour": 1, "minute": 25}
